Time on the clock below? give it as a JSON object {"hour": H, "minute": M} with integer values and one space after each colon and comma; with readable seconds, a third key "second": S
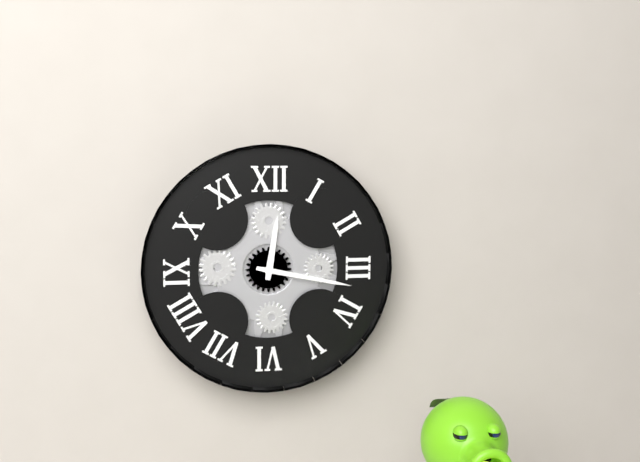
{"hour": 12, "minute": 17}
